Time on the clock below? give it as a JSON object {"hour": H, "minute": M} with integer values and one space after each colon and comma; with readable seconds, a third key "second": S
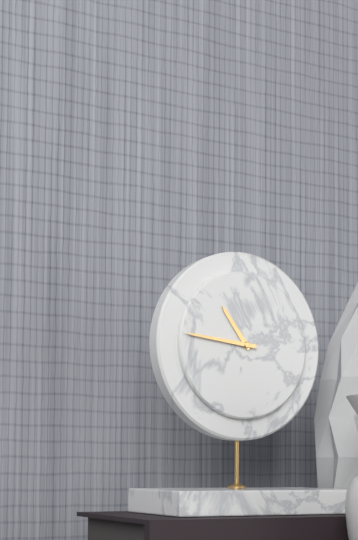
{"hour": 10, "minute": 46}
